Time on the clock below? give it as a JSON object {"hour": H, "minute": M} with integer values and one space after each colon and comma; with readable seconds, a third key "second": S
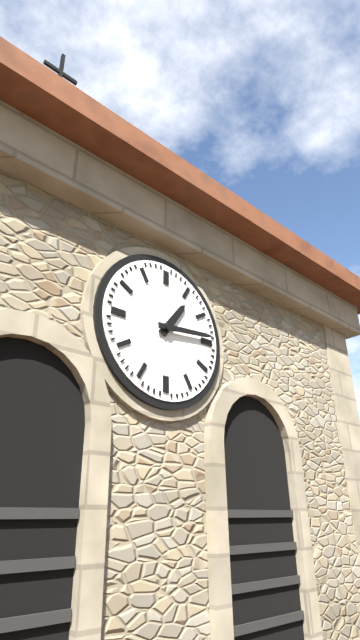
{"hour": 1, "minute": 14}
